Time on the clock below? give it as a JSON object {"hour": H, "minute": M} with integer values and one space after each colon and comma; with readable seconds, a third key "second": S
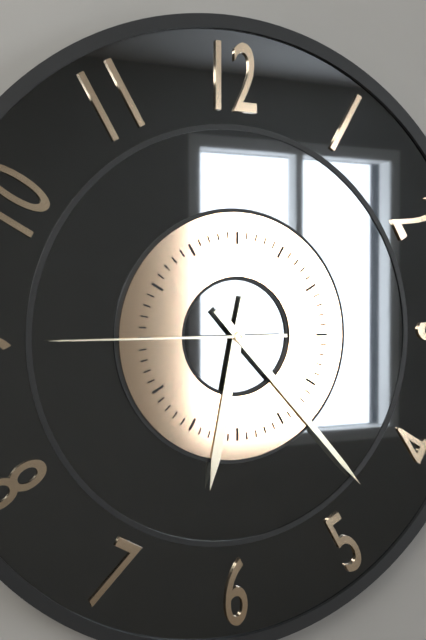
{"hour": 6, "minute": 23, "second": 45}
